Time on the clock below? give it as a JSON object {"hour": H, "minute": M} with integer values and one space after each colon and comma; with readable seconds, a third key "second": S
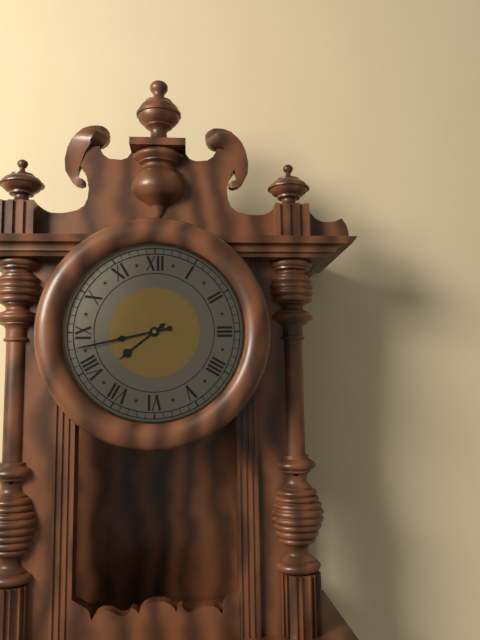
{"hour": 7, "minute": 43}
